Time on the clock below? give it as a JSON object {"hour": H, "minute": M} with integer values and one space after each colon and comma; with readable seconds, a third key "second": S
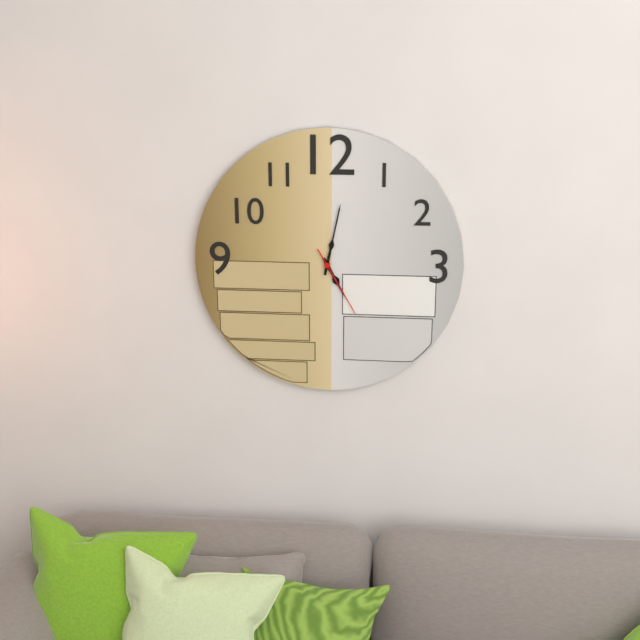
{"hour": 5, "minute": 2, "second": 25}
